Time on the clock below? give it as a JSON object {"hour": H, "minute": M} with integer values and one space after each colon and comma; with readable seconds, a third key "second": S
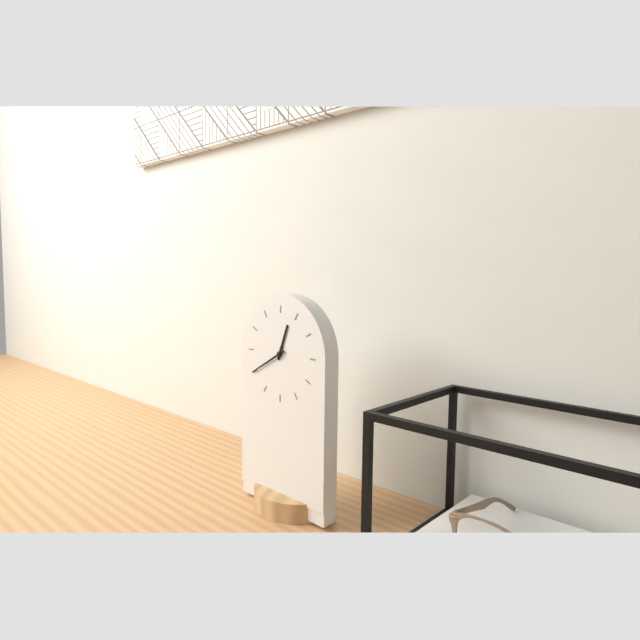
{"hour": 12, "minute": 40}
